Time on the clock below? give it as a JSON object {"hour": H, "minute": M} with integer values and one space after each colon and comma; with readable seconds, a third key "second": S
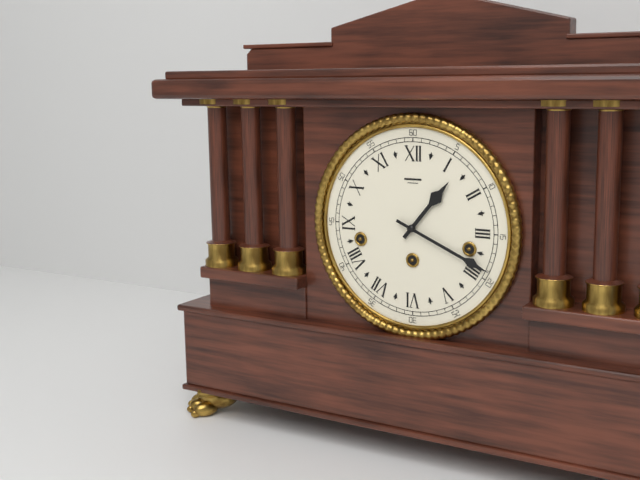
{"hour": 1, "minute": 19}
